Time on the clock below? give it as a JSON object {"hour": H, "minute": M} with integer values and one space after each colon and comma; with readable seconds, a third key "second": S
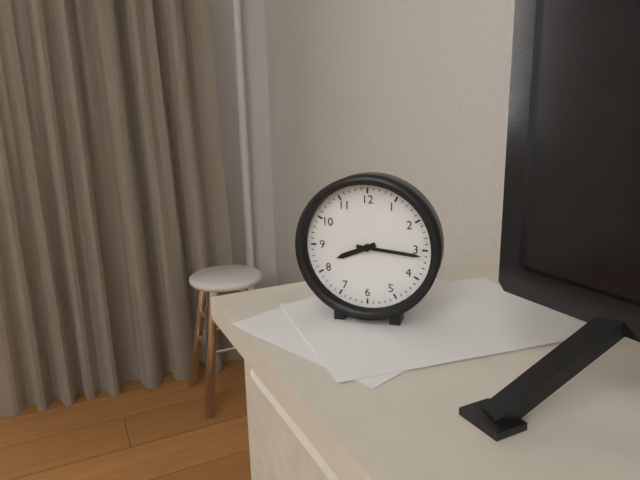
{"hour": 8, "minute": 16}
